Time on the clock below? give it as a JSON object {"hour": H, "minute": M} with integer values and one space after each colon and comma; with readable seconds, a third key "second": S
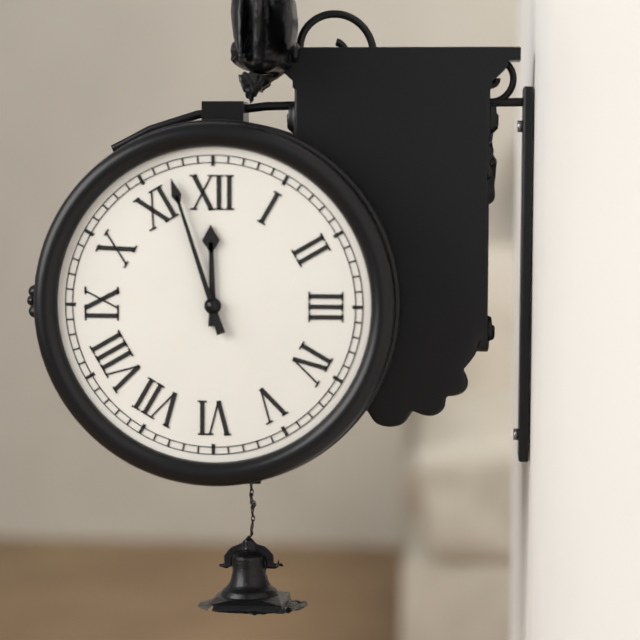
{"hour": 11, "minute": 57}
